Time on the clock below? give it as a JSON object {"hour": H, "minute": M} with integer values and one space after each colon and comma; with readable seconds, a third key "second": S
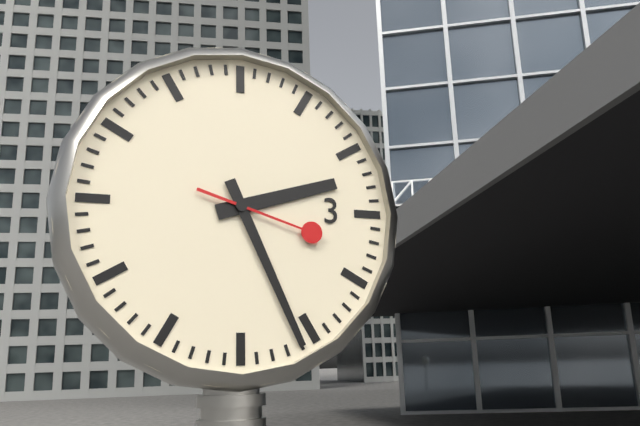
{"hour": 2, "minute": 26, "second": 18}
